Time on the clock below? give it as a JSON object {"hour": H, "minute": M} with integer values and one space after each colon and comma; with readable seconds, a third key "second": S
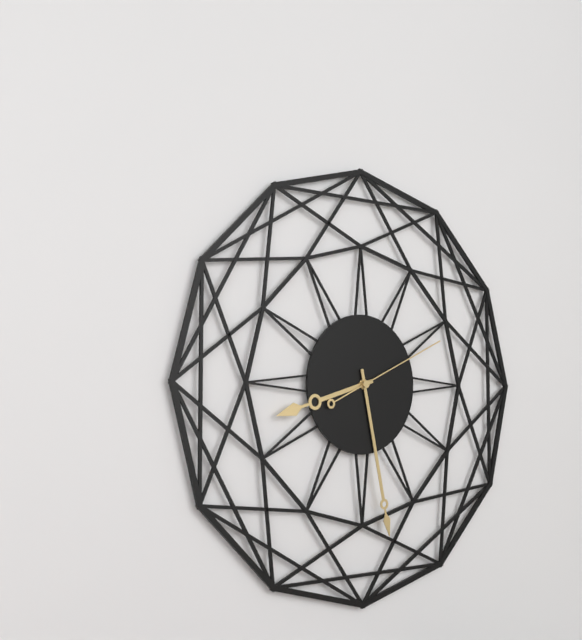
{"hour": 8, "minute": 28, "second": 11}
